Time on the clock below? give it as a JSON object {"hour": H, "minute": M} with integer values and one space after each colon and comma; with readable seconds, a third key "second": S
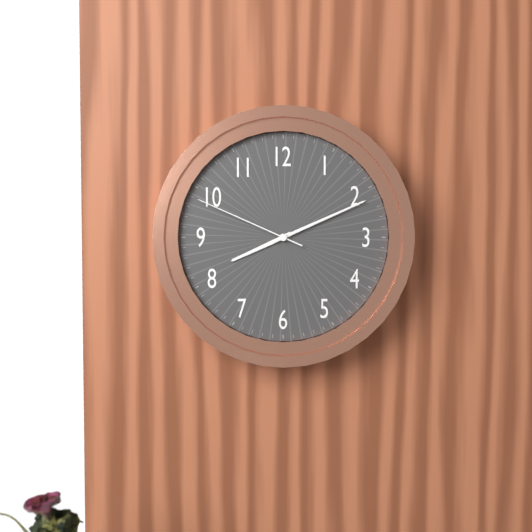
{"hour": 8, "minute": 11, "second": 49}
